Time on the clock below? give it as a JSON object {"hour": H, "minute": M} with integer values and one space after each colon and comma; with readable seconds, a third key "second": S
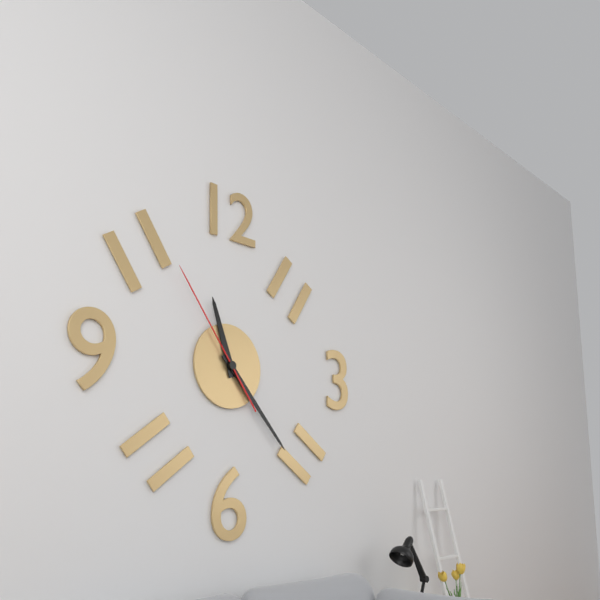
{"hour": 11, "minute": 23, "second": 54}
